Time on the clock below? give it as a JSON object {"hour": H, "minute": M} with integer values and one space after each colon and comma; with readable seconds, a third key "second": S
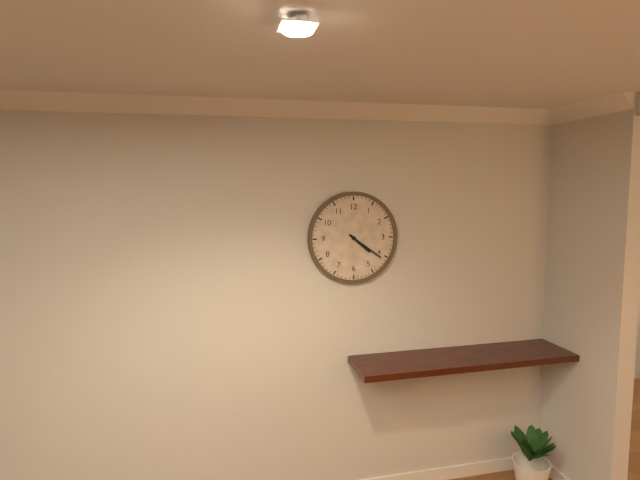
{"hour": 4, "minute": 21}
